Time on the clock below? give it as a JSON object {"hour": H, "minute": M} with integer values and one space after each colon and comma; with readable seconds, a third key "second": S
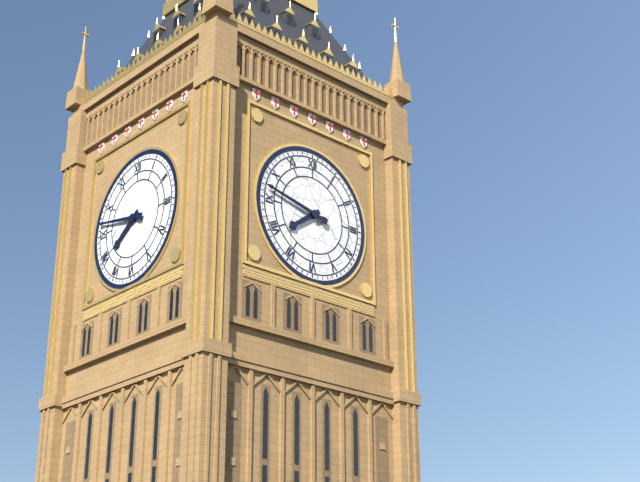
{"hour": 7, "minute": 47}
